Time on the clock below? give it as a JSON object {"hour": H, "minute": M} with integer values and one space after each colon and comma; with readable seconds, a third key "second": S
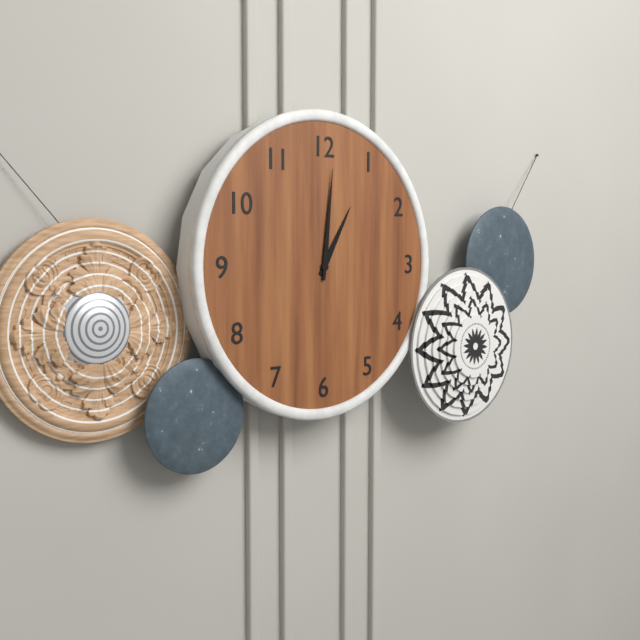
{"hour": 1, "minute": 1}
